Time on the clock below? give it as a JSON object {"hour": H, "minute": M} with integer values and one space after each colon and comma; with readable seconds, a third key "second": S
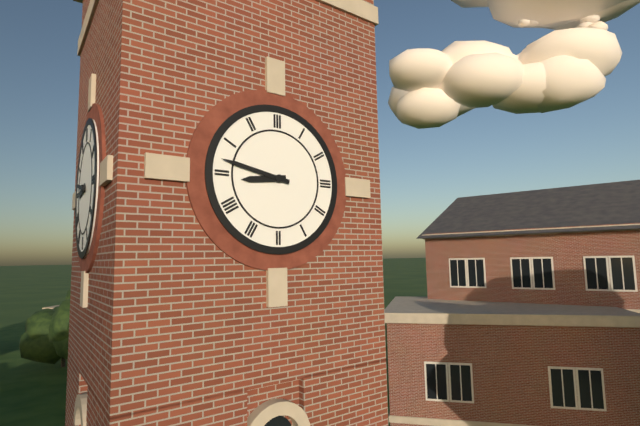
{"hour": 8, "minute": 47}
